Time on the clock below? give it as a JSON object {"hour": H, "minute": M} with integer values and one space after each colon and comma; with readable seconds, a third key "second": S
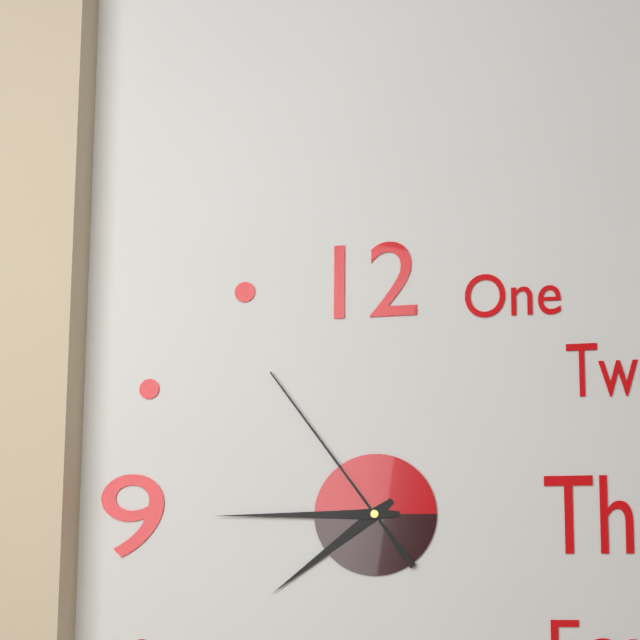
{"hour": 7, "minute": 45, "second": 54}
